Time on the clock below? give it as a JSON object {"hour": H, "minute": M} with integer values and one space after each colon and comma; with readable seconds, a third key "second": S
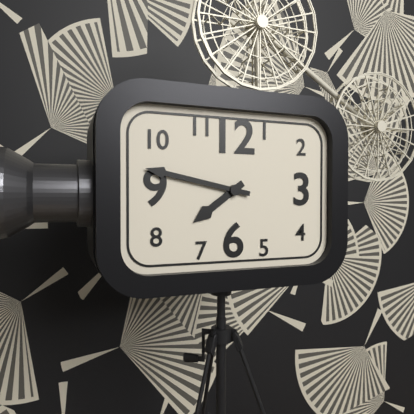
{"hour": 7, "minute": 47}
